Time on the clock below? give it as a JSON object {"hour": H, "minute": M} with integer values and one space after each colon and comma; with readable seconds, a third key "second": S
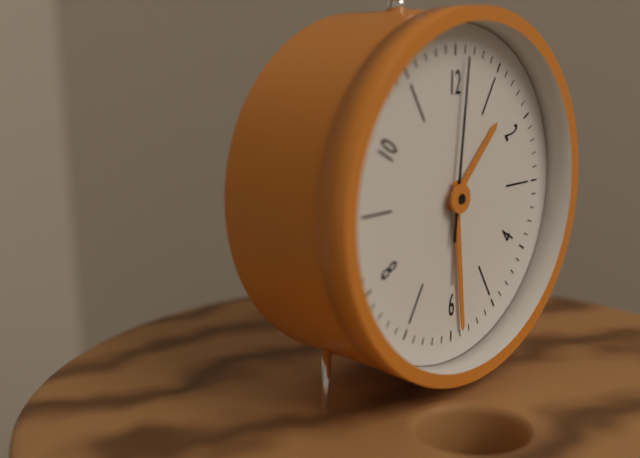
{"hour": 1, "minute": 29, "second": 1}
